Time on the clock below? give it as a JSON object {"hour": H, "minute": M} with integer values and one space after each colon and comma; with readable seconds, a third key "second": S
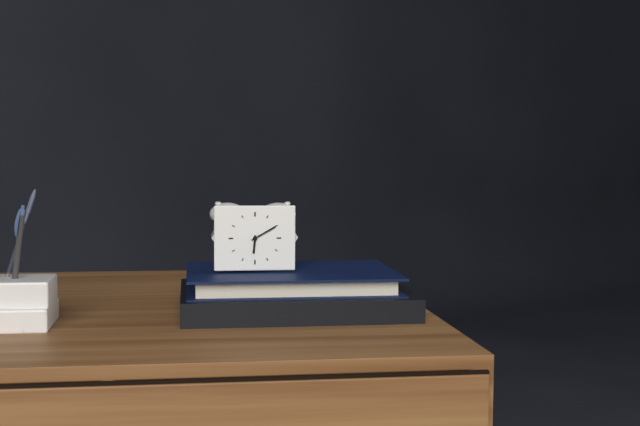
{"hour": 6, "minute": 10}
